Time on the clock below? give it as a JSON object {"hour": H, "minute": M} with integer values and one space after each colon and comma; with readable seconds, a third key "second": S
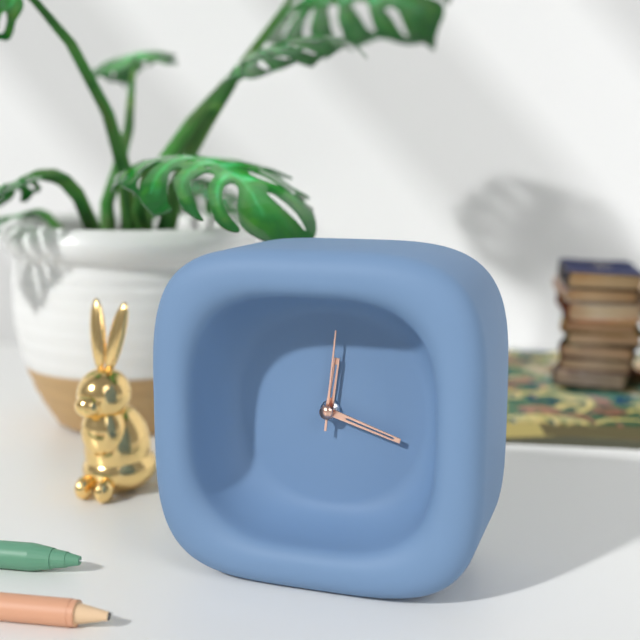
{"hour": 12, "minute": 18, "second": 1}
